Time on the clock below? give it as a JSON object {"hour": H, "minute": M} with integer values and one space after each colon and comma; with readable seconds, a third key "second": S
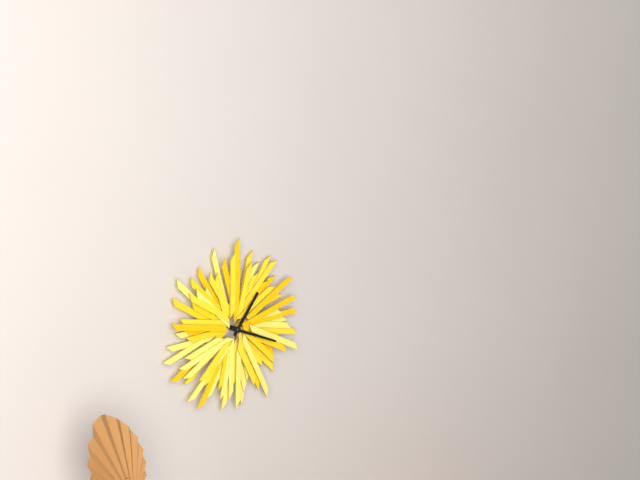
{"hour": 1, "minute": 19}
